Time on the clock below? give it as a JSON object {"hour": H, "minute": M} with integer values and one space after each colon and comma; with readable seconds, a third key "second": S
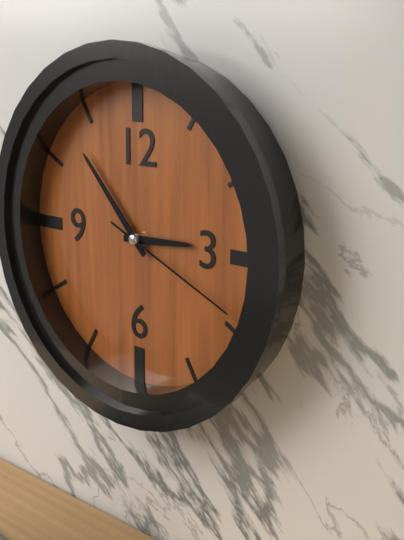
{"hour": 2, "minute": 53, "second": 19}
